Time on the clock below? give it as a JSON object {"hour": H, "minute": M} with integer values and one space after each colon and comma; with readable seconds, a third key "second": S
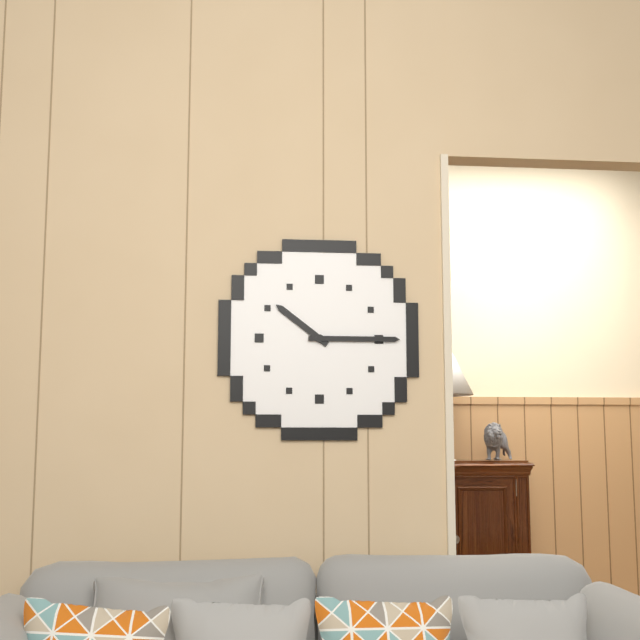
{"hour": 10, "minute": 15}
